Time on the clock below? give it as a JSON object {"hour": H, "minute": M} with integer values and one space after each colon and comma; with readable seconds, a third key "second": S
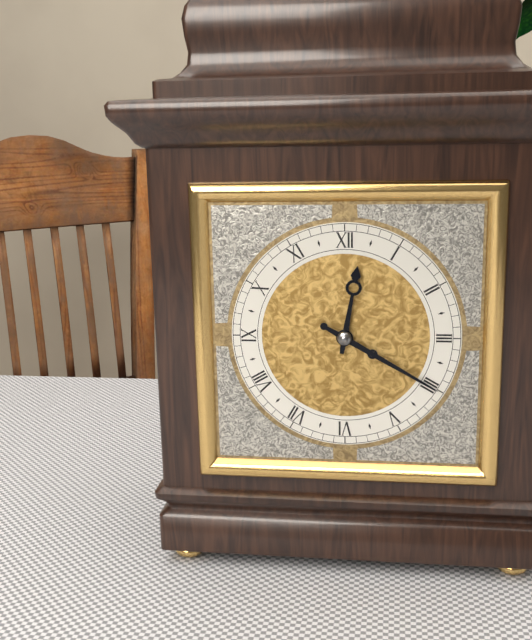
{"hour": 12, "minute": 20}
